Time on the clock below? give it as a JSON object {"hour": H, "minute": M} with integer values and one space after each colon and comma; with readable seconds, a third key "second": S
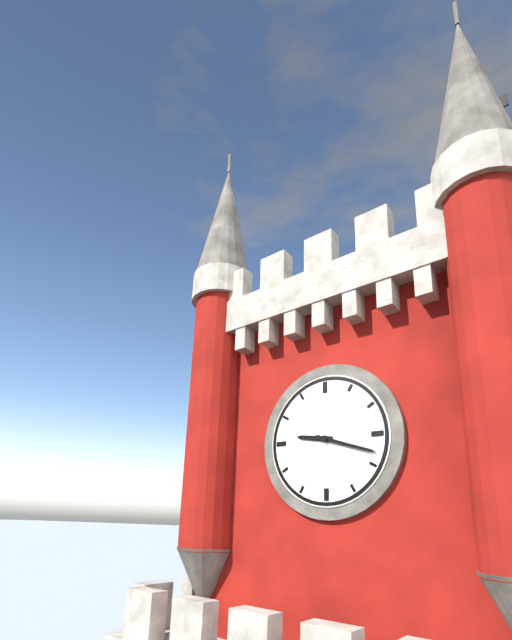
{"hour": 9, "minute": 18}
